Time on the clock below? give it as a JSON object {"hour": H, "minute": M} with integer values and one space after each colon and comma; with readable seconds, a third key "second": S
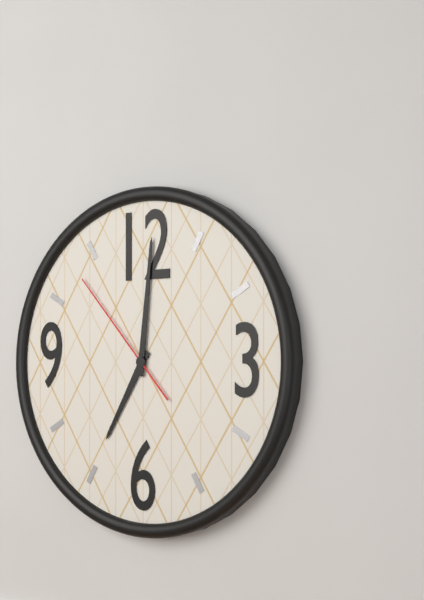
{"hour": 7, "minute": 1, "second": 53}
